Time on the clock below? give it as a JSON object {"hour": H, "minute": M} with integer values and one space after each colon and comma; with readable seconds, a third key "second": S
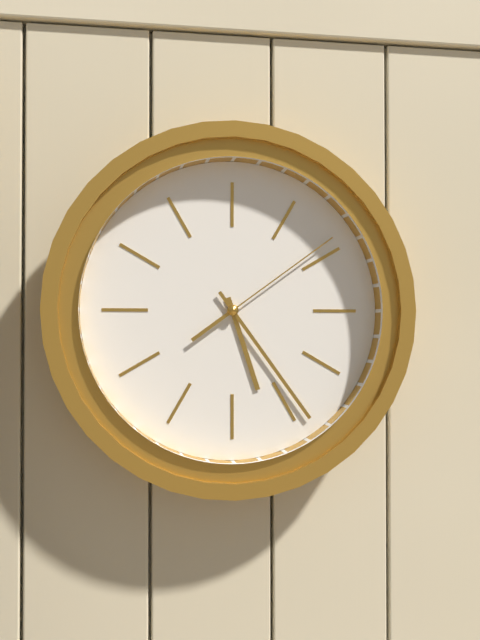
{"hour": 5, "minute": 24, "second": 9}
